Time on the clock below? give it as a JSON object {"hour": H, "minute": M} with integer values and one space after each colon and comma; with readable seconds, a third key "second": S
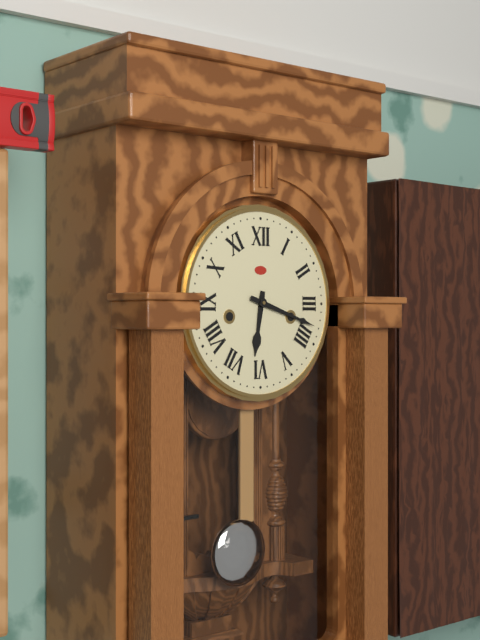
{"hour": 6, "minute": 18}
